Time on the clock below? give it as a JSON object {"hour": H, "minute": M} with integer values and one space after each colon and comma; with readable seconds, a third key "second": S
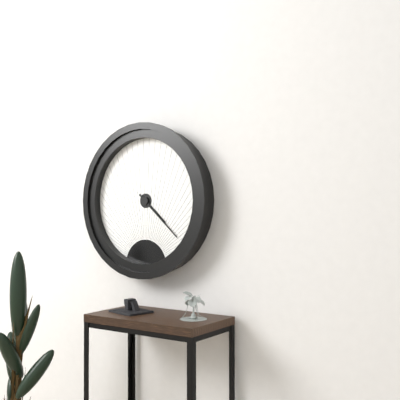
{"hour": 4, "minute": 22}
